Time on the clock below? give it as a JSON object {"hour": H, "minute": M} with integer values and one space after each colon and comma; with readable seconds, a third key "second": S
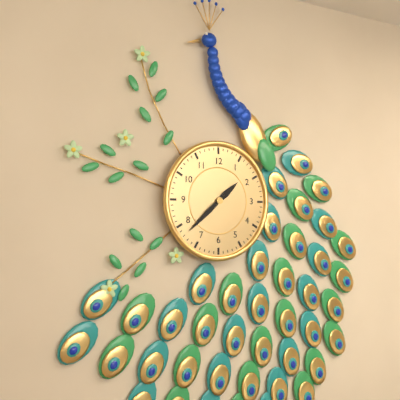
{"hour": 1, "minute": 38}
